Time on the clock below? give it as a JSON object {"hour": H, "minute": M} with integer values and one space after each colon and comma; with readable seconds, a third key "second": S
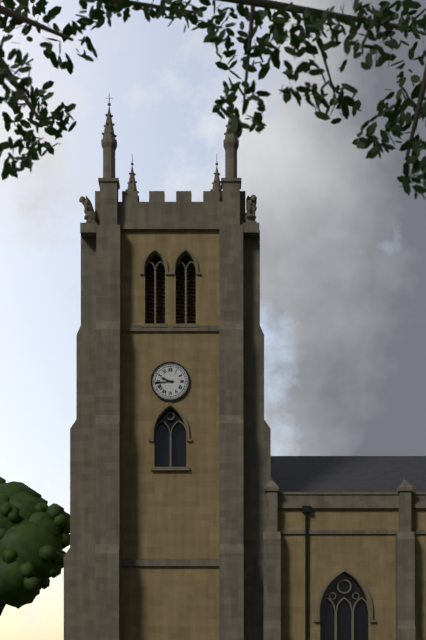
{"hour": 9, "minute": 44}
